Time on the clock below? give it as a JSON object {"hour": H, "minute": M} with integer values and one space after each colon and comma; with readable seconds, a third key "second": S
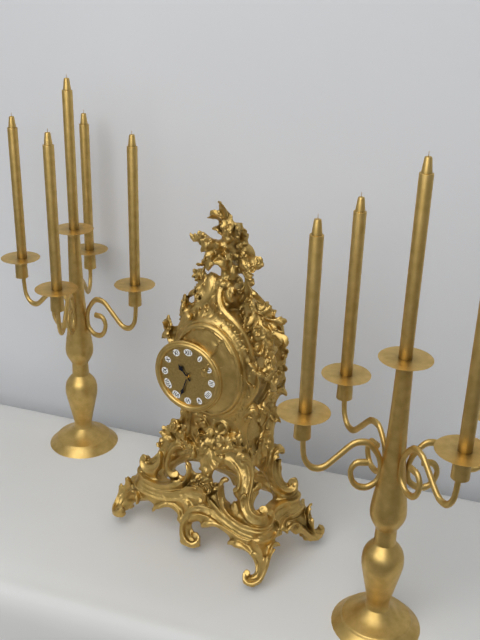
{"hour": 10, "minute": 33}
